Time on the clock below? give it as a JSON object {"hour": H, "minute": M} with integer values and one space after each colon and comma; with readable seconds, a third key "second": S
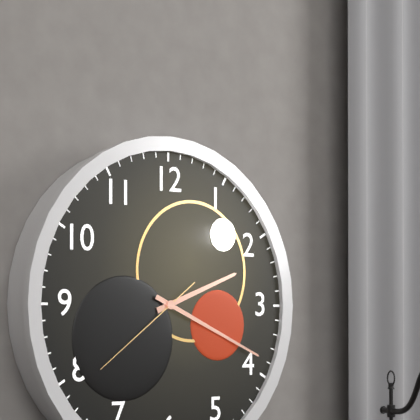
{"hour": 2, "minute": 19, "second": 39}
